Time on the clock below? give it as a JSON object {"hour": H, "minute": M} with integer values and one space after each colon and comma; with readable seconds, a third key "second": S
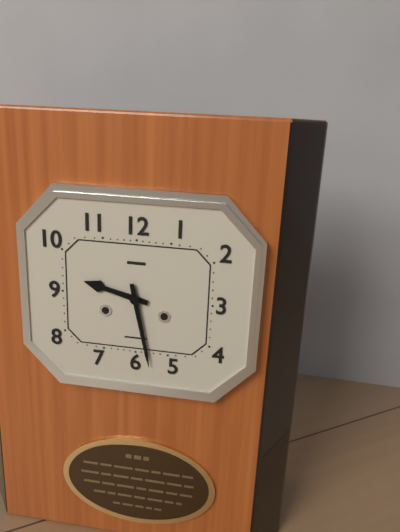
{"hour": 9, "minute": 28}
